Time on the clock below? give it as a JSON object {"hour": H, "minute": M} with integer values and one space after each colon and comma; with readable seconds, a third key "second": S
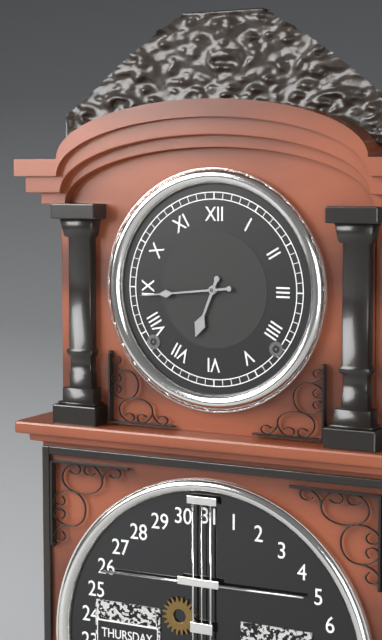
{"hour": 6, "minute": 44}
